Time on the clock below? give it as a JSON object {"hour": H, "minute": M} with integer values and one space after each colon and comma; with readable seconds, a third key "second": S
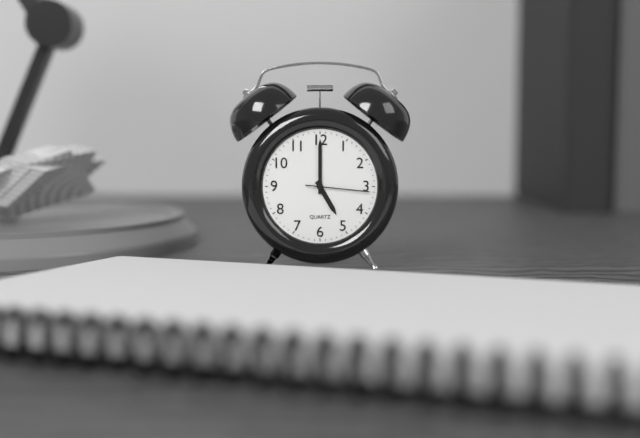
{"hour": 5, "minute": 0, "second": 16}
